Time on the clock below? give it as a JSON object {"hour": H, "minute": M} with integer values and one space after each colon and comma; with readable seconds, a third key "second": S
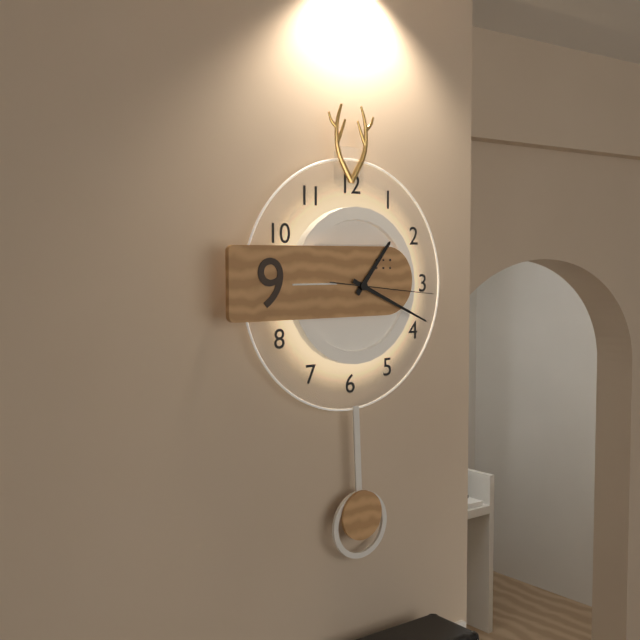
{"hour": 1, "minute": 19, "second": 16}
